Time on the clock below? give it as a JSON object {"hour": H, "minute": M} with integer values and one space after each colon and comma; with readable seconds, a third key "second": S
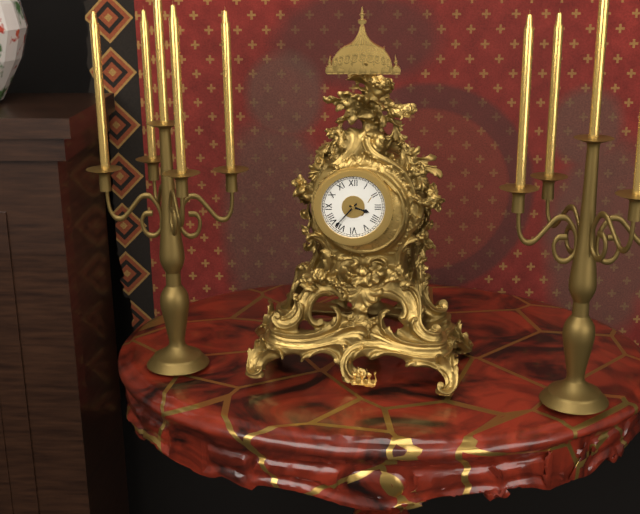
{"hour": 3, "minute": 37}
